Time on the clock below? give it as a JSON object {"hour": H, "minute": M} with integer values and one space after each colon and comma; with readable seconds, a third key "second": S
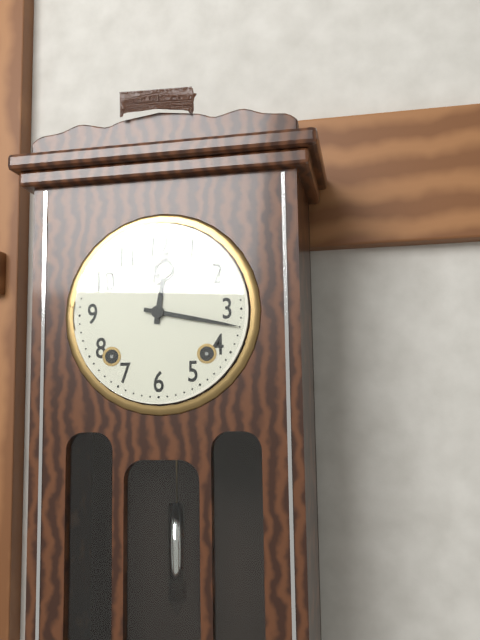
{"hour": 12, "minute": 17}
